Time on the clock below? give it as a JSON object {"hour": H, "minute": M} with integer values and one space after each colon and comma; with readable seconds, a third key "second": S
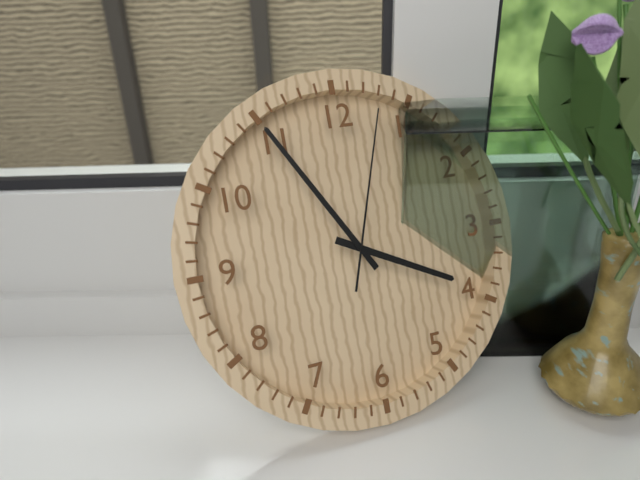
{"hour": 3, "minute": 55, "second": 3}
